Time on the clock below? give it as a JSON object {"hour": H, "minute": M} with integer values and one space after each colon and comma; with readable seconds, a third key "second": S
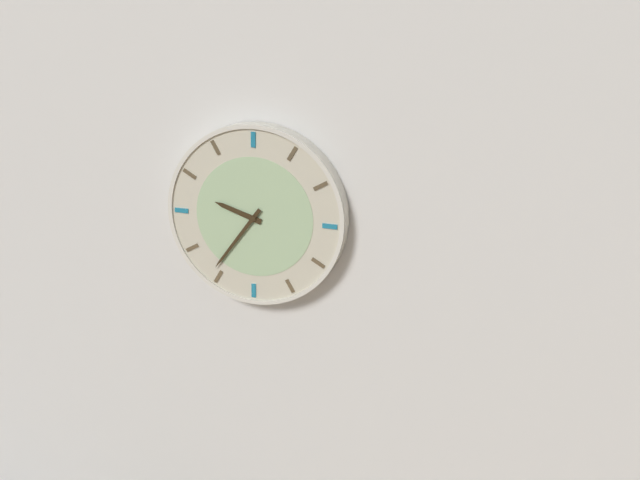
{"hour": 9, "minute": 36}
